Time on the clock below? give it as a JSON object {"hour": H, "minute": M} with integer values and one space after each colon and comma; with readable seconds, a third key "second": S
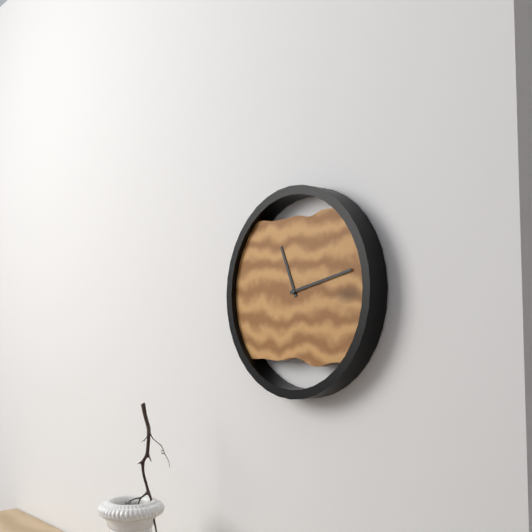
{"hour": 11, "minute": 13}
